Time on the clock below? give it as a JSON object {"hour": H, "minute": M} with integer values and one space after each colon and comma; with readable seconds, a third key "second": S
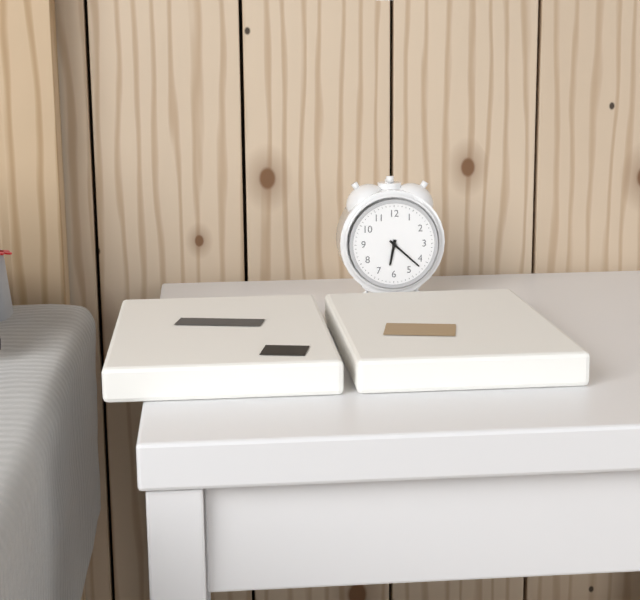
{"hour": 6, "minute": 22}
